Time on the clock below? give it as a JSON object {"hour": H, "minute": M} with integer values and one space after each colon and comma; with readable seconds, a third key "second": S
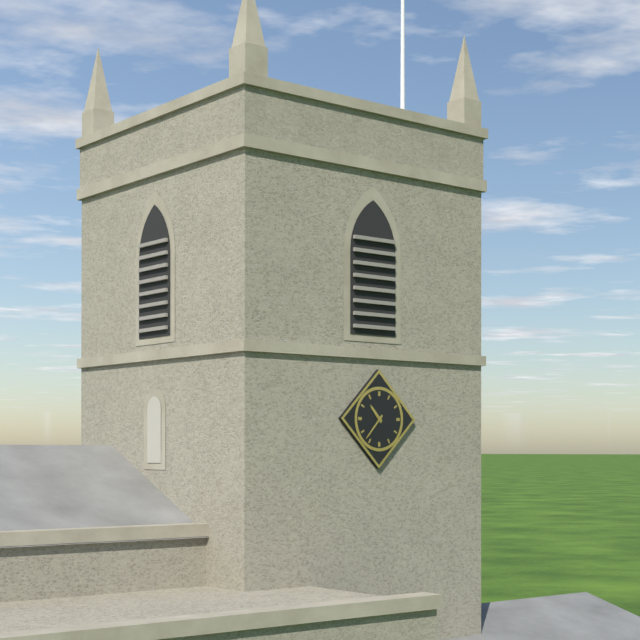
{"hour": 10, "minute": 37}
